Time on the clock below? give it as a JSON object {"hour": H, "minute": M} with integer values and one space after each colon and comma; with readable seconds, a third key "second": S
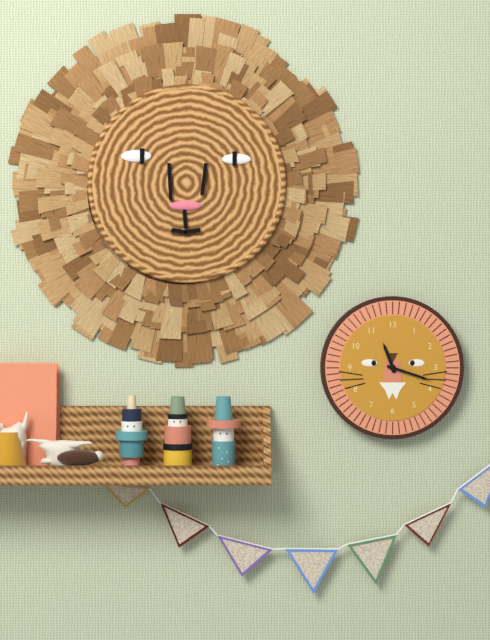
{"hour": 11, "minute": 18}
